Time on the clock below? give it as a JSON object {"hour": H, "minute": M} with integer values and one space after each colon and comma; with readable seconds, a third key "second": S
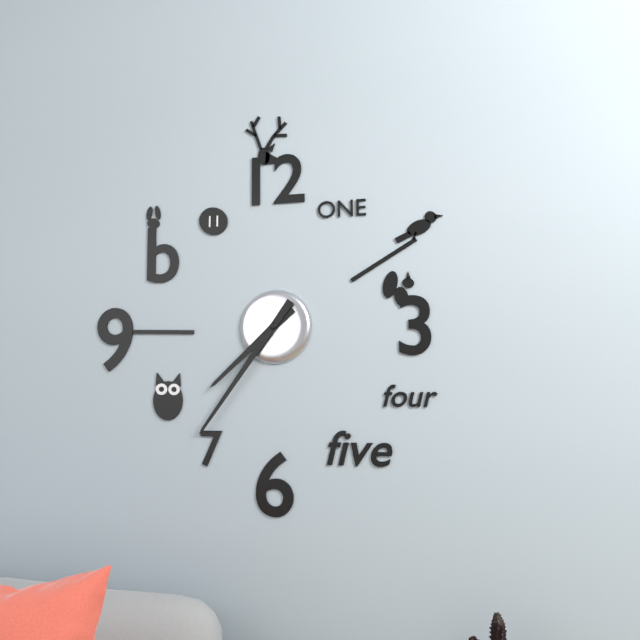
{"hour": 7, "minute": 36}
